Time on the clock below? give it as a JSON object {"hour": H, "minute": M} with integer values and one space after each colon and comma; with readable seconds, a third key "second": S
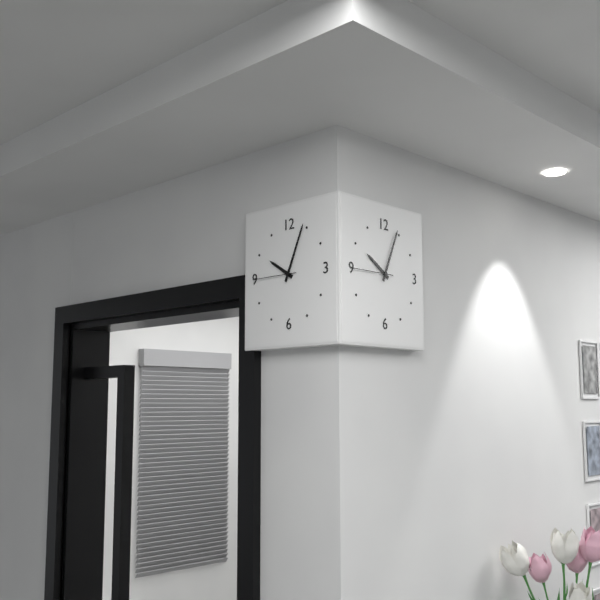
{"hour": 10, "minute": 4}
